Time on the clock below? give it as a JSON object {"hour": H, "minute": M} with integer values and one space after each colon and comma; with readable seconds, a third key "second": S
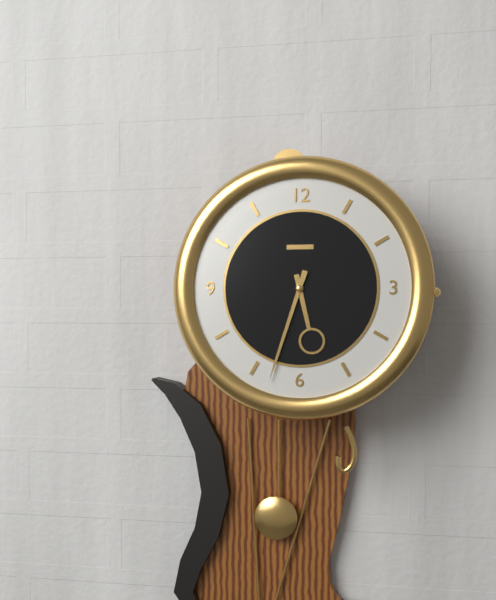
{"hour": 5, "minute": 33}
